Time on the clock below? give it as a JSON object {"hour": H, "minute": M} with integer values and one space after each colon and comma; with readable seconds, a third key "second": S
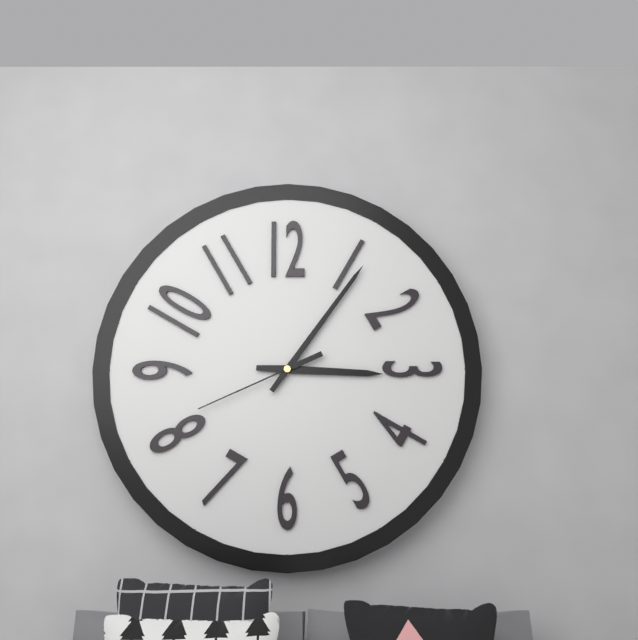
{"hour": 3, "minute": 6, "second": 41}
